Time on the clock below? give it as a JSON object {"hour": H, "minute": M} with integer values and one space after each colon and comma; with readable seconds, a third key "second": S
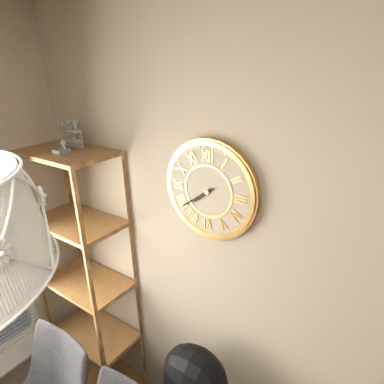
{"hour": 7, "minute": 39}
